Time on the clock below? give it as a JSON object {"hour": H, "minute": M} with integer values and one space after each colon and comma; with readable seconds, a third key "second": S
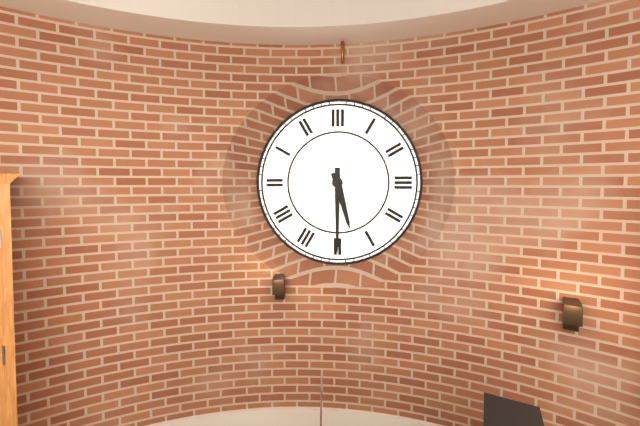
{"hour": 5, "minute": 30}
